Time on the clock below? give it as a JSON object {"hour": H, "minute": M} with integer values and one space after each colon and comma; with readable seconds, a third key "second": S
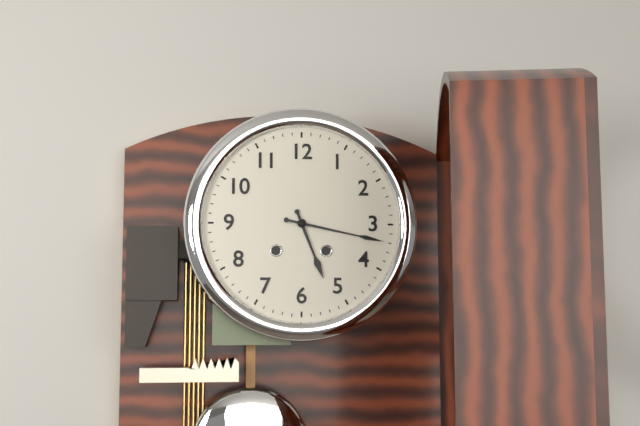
{"hour": 5, "minute": 17}
